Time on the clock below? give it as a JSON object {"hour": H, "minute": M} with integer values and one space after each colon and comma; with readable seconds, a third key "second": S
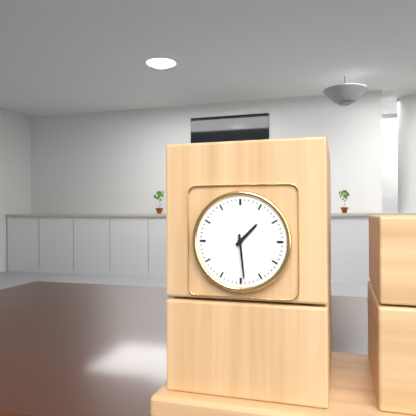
{"hour": 1, "minute": 29}
